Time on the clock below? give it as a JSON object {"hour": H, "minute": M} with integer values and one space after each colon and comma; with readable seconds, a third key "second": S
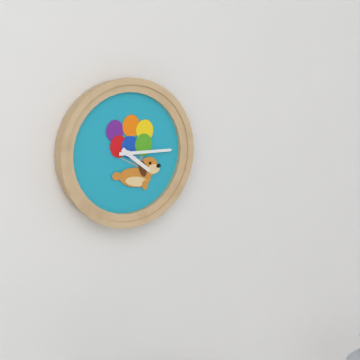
{"hour": 4, "minute": 15}
